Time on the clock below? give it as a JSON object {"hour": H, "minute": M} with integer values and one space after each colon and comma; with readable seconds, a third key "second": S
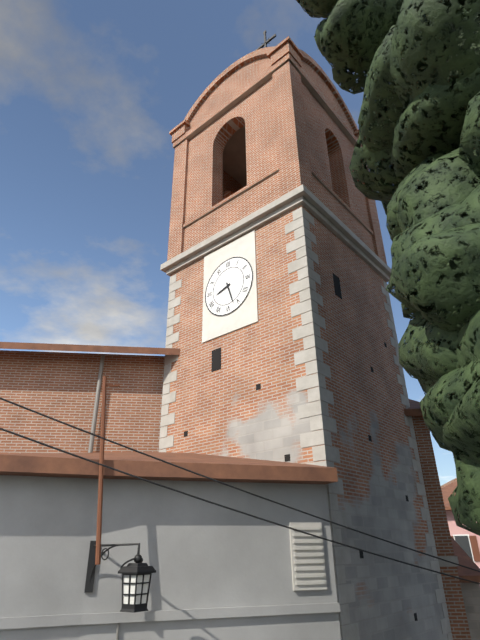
{"hour": 8, "minute": 27}
